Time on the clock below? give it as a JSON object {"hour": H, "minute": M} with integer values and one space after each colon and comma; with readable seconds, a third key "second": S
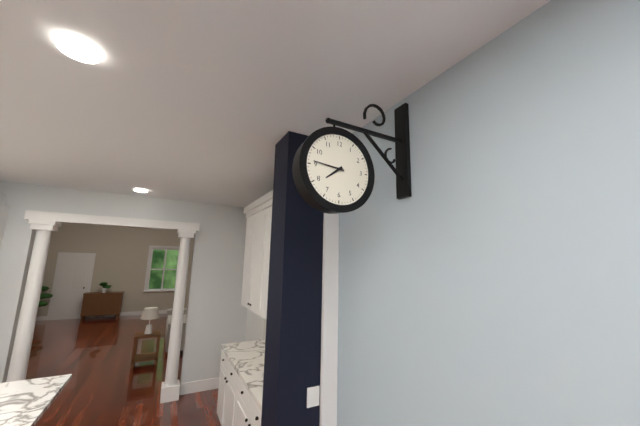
{"hour": 7, "minute": 46}
